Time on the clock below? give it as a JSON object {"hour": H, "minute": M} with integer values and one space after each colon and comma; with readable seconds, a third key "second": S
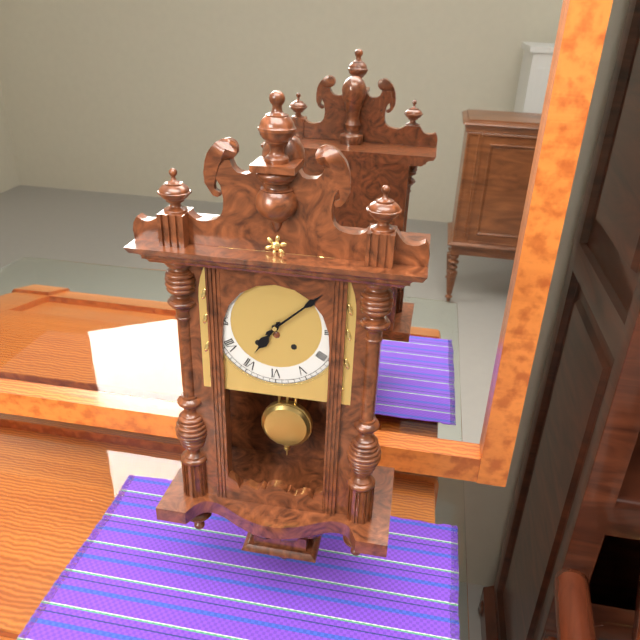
{"hour": 7, "minute": 8}
